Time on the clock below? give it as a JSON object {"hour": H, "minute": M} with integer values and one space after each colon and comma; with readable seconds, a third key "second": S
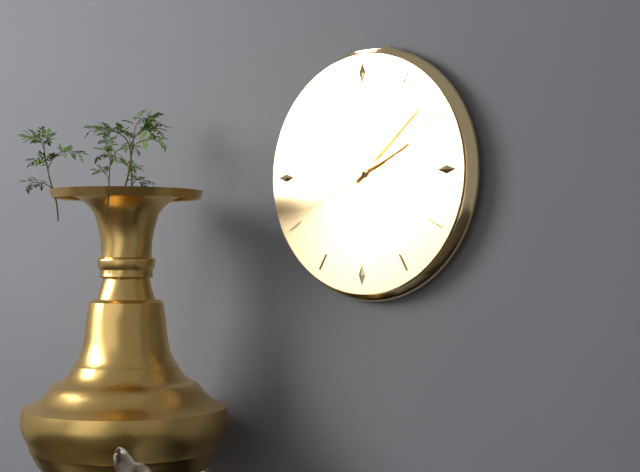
{"hour": 2, "minute": 8, "second": 41}
